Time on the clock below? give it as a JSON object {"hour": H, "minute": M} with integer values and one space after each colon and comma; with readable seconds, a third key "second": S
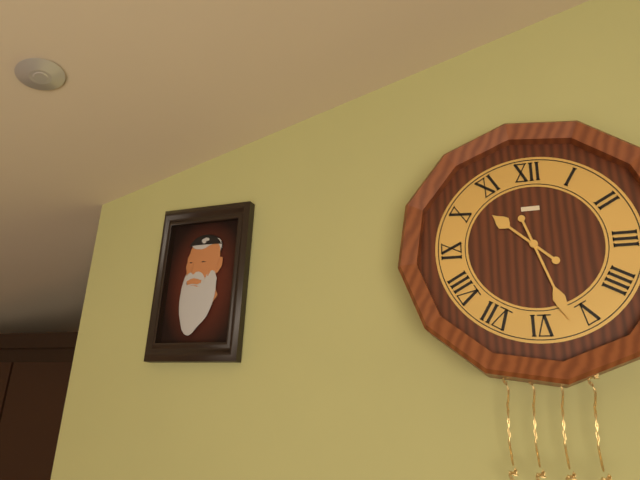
{"hour": 10, "minute": 27}
